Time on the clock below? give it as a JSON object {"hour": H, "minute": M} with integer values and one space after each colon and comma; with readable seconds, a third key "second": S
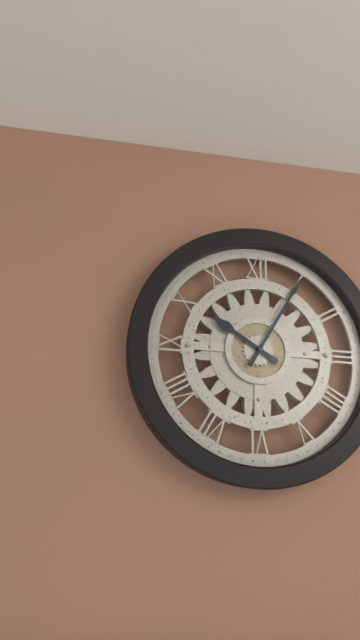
{"hour": 10, "minute": 5}
